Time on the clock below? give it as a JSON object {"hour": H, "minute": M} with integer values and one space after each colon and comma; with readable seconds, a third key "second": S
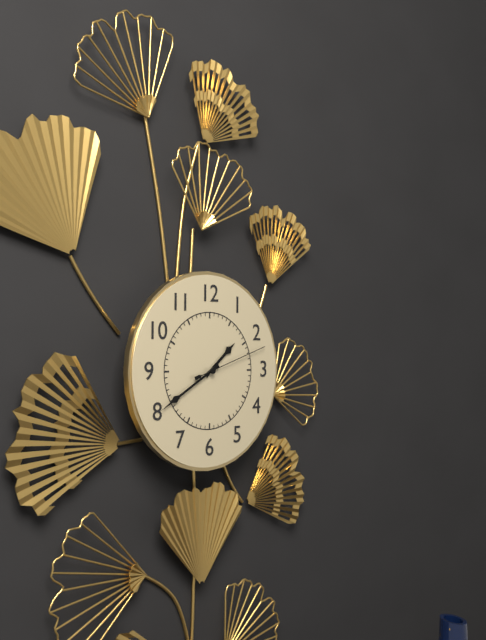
{"hour": 1, "minute": 40, "second": 12}
